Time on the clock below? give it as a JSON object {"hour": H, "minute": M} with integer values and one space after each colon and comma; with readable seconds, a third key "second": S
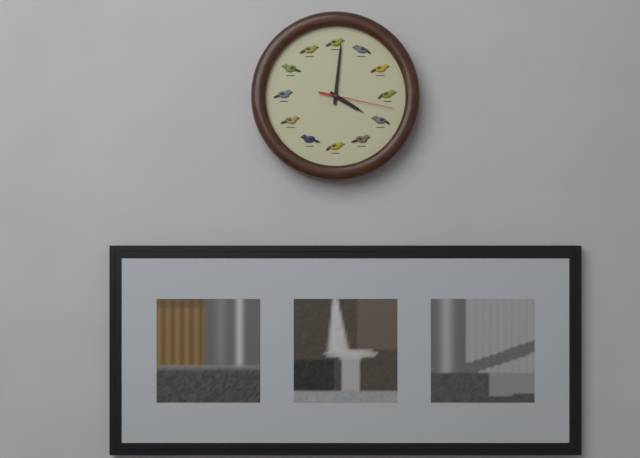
{"hour": 4, "minute": 1, "second": 17}
